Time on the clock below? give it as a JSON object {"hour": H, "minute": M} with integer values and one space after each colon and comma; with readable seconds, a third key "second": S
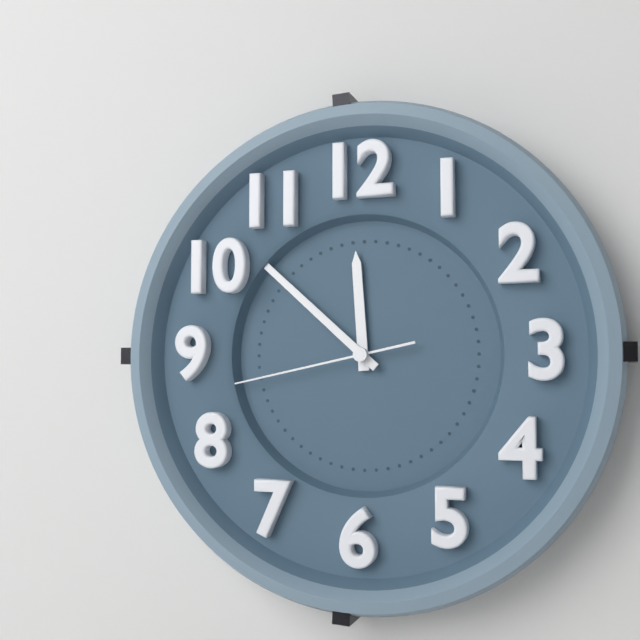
{"hour": 11, "minute": 52, "second": 43}
